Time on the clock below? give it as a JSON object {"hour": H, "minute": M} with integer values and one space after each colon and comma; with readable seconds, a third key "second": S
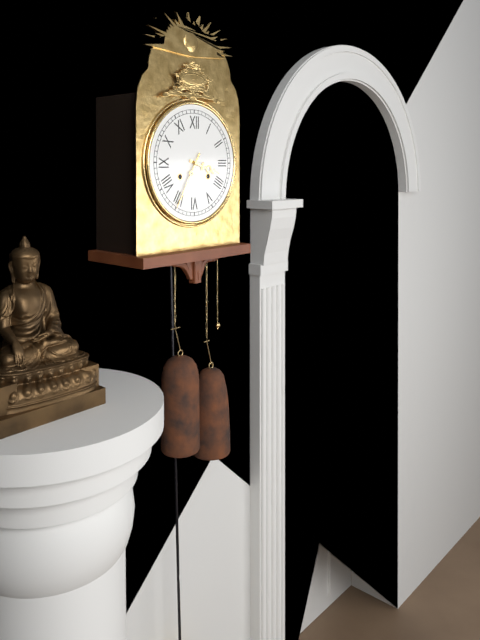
{"hour": 3, "minute": 35}
